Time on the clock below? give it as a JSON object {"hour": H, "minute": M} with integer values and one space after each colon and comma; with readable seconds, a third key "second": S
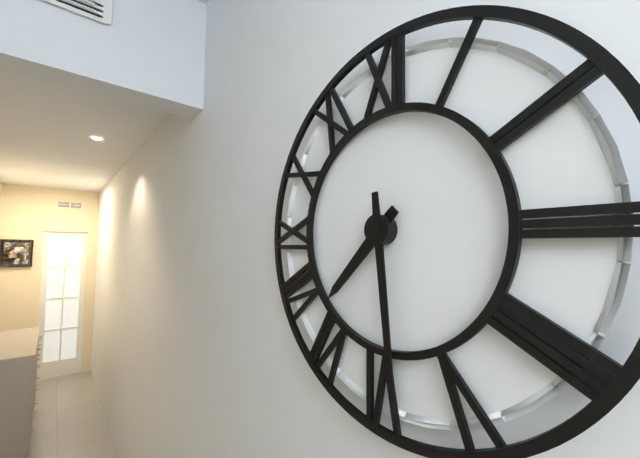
{"hour": 7, "minute": 29}
